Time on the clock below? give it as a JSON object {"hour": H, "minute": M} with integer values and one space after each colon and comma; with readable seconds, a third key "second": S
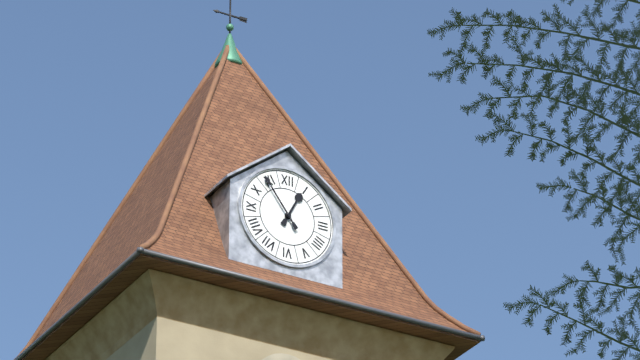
{"hour": 12, "minute": 54}
